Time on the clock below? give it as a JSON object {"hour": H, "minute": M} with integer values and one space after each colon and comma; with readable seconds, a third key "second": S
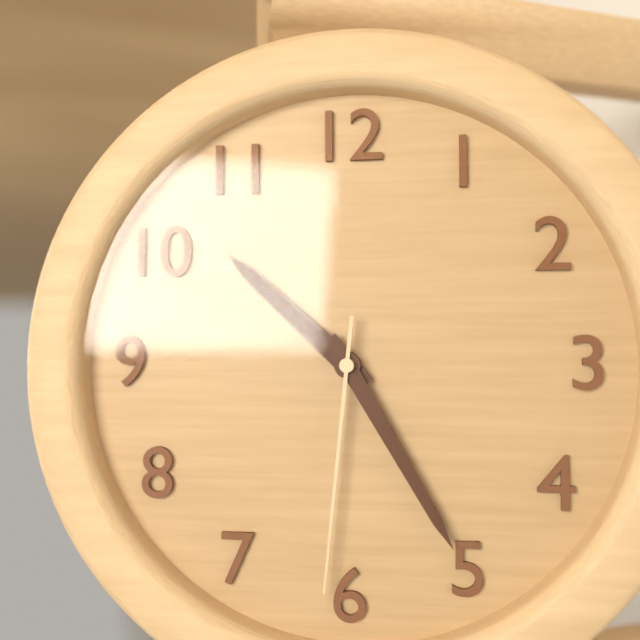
{"hour": 10, "minute": 25, "second": 31}
